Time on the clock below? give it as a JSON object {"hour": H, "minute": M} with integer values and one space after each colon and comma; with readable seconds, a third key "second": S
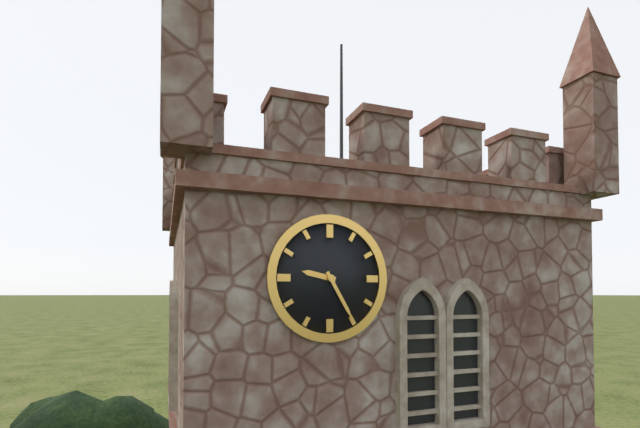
{"hour": 9, "minute": 25}
